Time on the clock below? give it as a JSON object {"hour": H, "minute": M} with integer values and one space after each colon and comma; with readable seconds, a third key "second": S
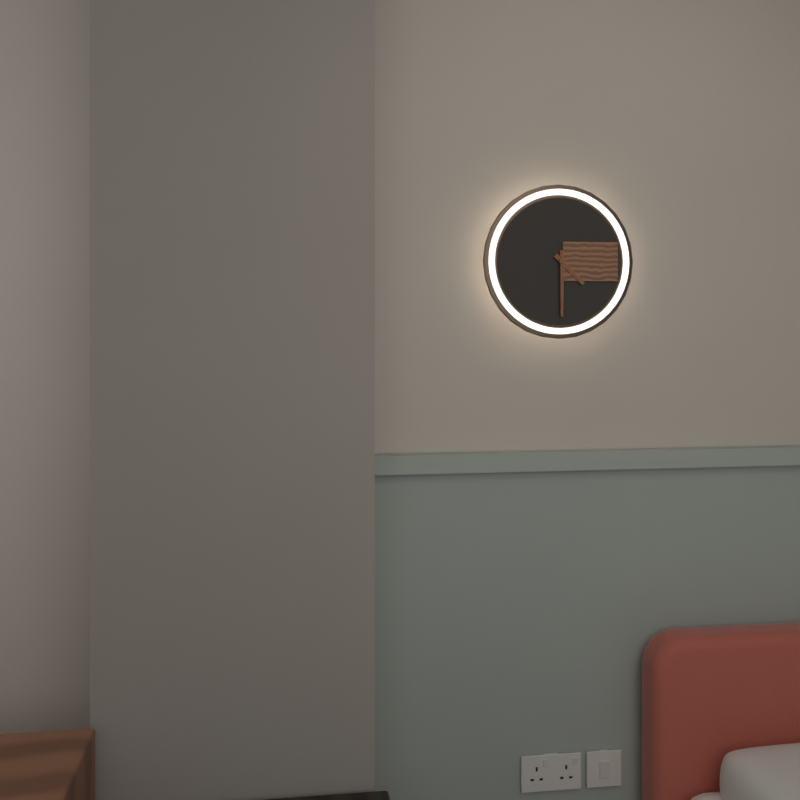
{"hour": 4, "minute": 30}
